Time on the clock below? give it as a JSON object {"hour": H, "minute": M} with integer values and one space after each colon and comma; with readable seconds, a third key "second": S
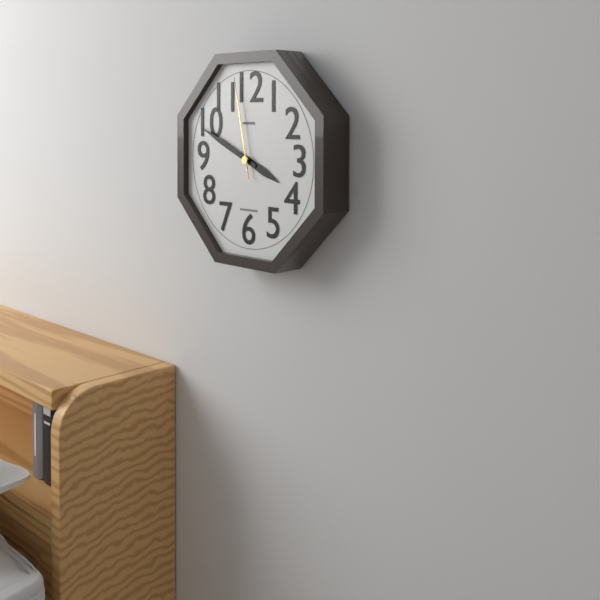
{"hour": 3, "minute": 49, "second": 58}
